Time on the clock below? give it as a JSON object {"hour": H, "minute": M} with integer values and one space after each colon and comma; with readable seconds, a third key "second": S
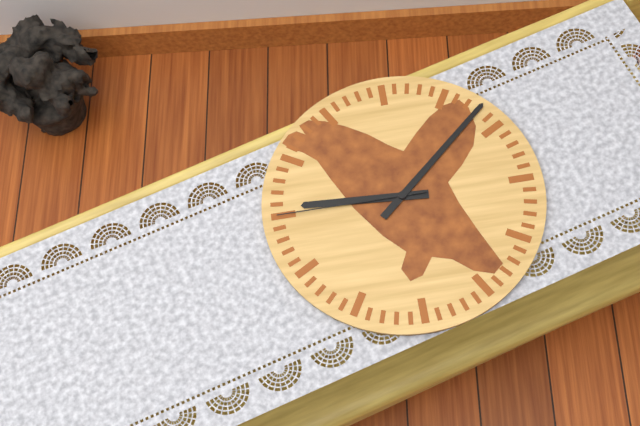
{"hour": 9, "minute": 8, "second": 45}
